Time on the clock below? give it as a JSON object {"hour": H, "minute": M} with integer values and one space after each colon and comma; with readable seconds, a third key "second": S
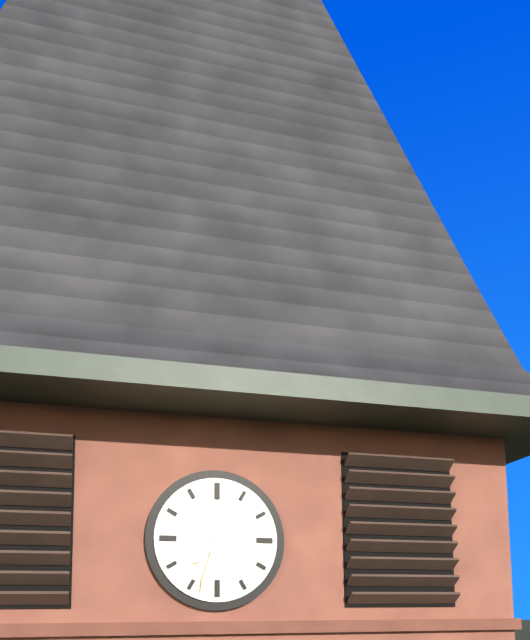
{"hour": 7, "minute": 33}
